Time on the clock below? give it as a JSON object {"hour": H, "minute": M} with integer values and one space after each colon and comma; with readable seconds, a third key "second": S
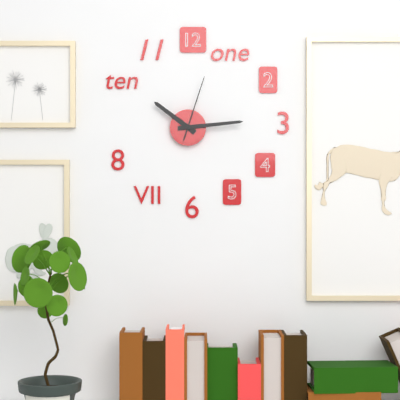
{"hour": 10, "minute": 14, "second": 3}
